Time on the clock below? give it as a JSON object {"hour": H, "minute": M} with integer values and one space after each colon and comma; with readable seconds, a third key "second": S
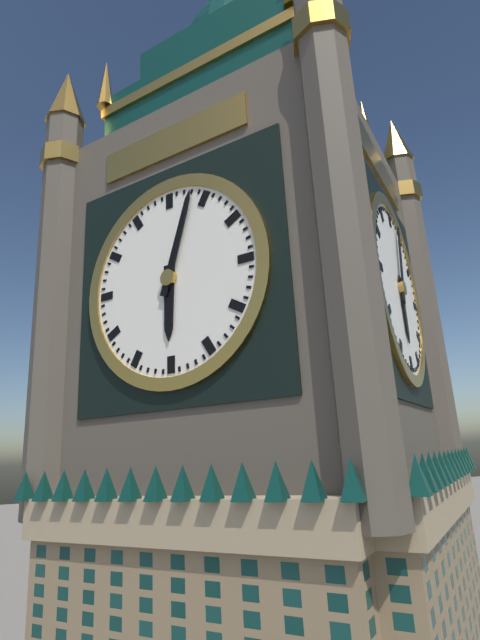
{"hour": 6, "minute": 3}
